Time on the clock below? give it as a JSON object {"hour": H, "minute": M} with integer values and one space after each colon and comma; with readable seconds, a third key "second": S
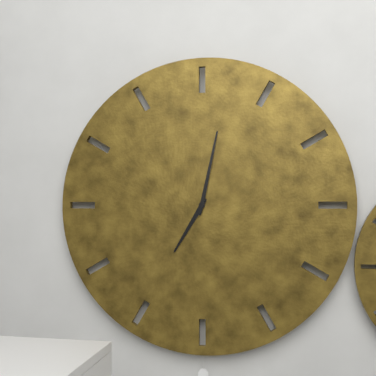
{"hour": 7, "minute": 2}
